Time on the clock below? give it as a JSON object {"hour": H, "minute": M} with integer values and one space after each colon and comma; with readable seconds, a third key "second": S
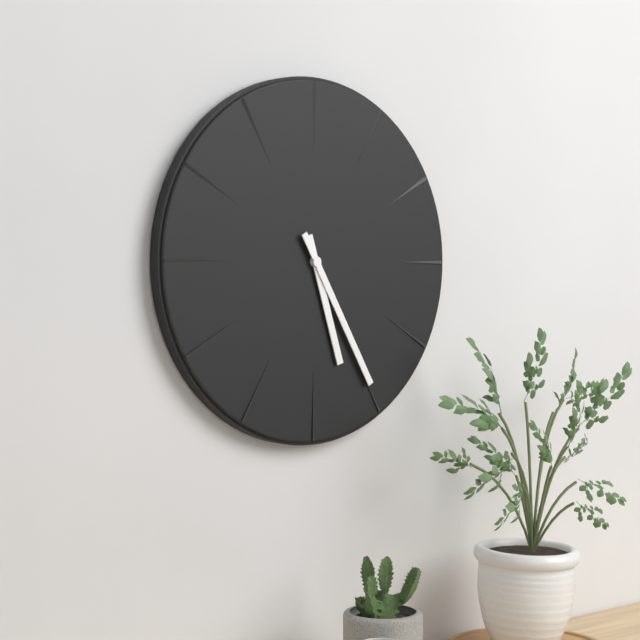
{"hour": 5, "minute": 25}
